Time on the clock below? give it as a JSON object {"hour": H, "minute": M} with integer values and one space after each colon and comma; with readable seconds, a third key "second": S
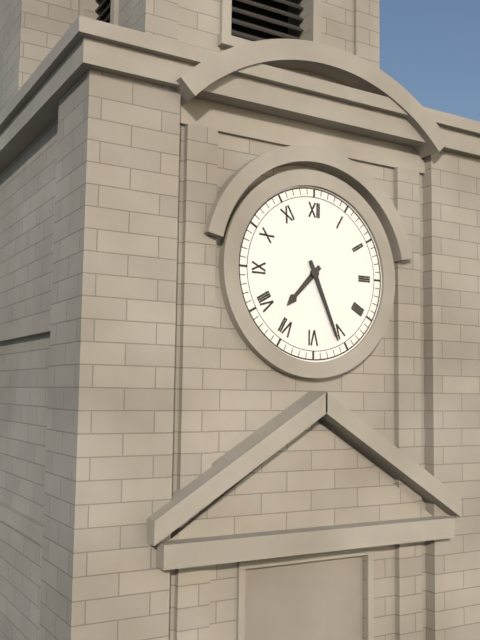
{"hour": 7, "minute": 26}
